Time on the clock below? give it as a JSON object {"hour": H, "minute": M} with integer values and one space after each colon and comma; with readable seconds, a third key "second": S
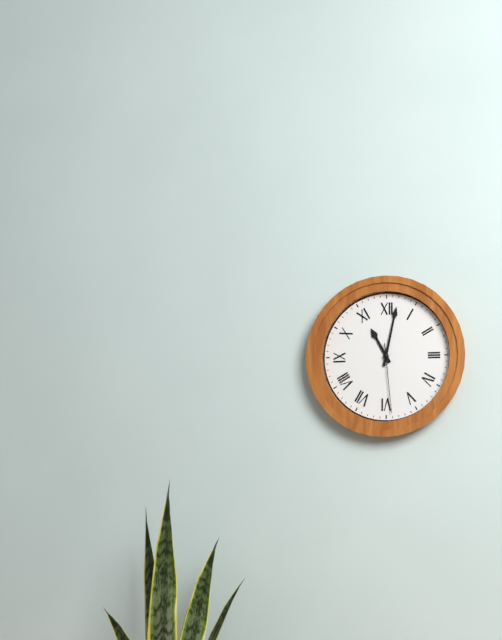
{"hour": 11, "minute": 2, "second": 29}
